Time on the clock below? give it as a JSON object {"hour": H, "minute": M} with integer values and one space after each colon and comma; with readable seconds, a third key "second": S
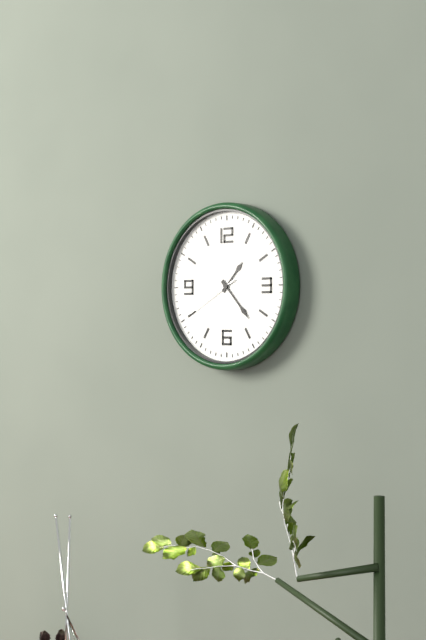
{"hour": 1, "minute": 23, "second": 40}
